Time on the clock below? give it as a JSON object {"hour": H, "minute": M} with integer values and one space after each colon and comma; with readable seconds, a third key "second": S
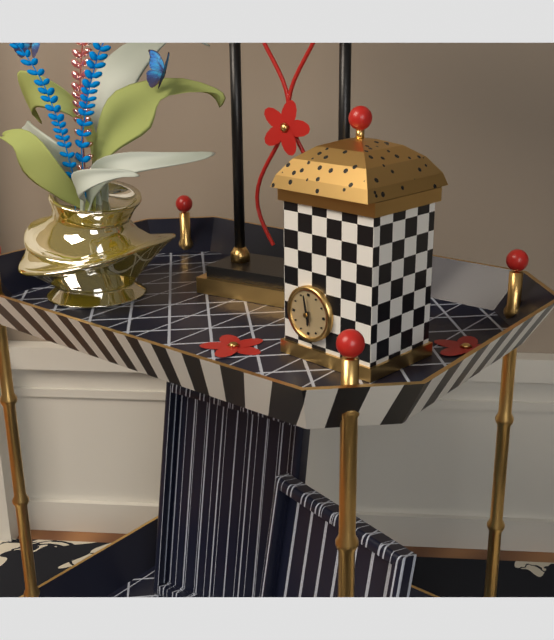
{"hour": 5, "minute": 58}
